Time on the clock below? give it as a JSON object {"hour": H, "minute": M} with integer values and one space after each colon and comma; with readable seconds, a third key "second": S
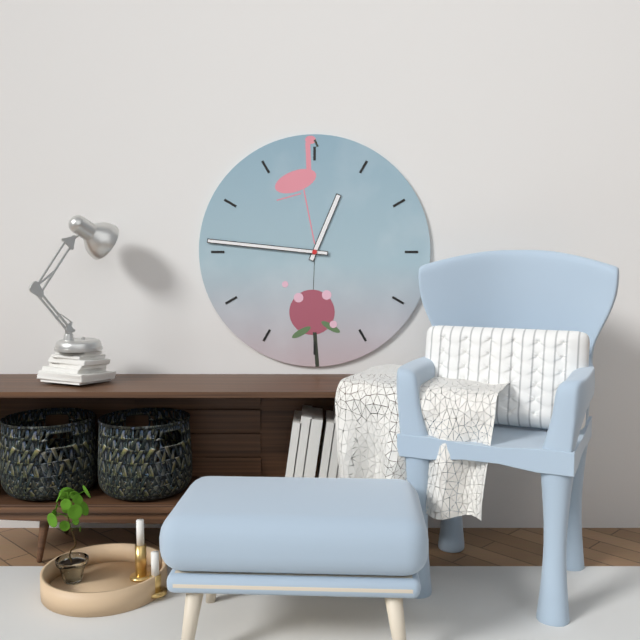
{"hour": 12, "minute": 46}
